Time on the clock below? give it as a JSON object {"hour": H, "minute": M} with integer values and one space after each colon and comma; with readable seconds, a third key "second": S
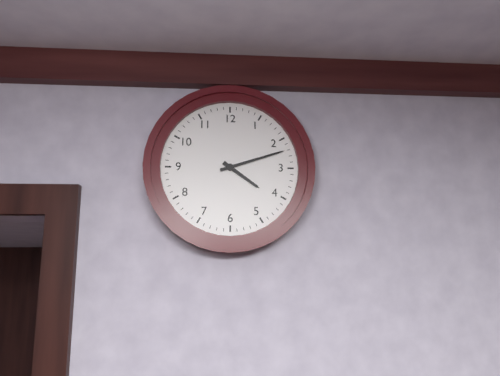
{"hour": 4, "minute": 12}
